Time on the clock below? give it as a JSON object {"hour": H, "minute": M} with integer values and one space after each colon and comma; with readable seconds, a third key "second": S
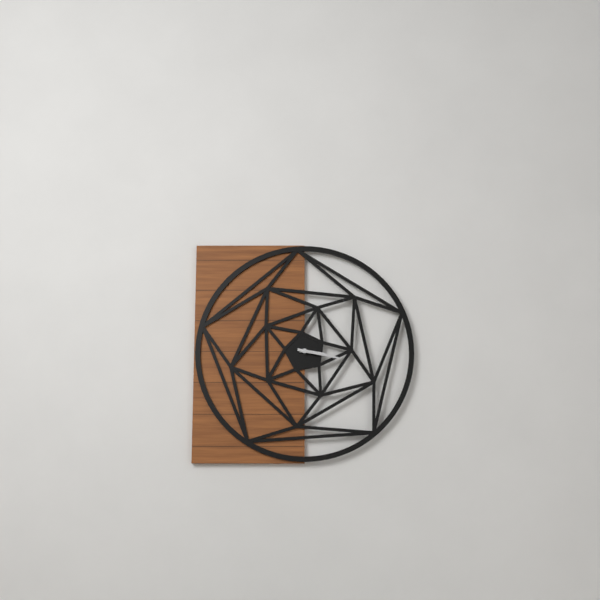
{"hour": 3, "minute": 17}
